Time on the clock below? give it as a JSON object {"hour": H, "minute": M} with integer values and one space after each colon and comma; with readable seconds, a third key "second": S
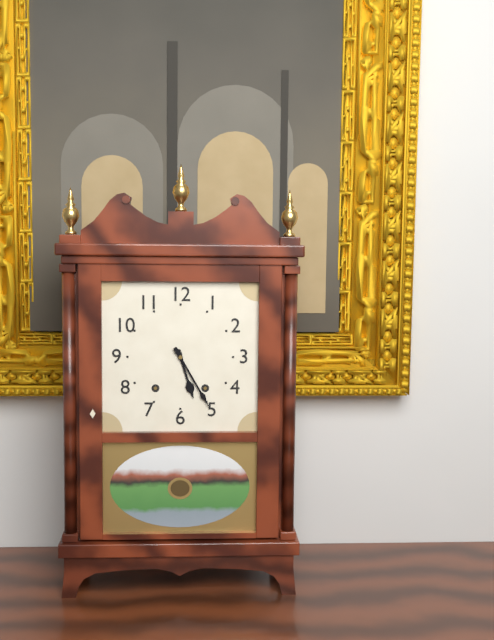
{"hour": 5, "minute": 25}
